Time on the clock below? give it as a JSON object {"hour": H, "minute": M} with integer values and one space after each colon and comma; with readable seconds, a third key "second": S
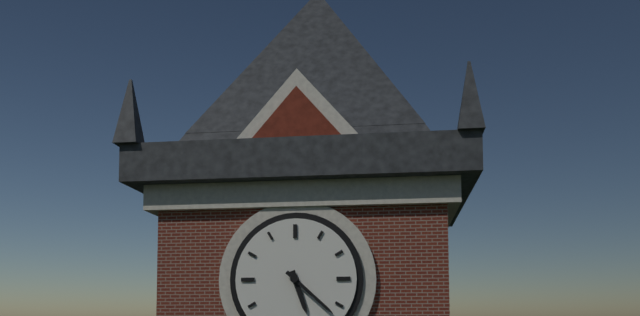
{"hour": 5, "minute": 22}
